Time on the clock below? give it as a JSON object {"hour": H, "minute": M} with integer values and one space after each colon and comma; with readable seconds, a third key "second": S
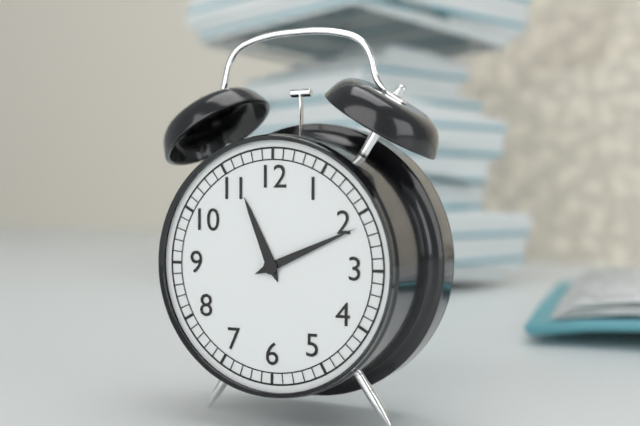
{"hour": 11, "minute": 11}
